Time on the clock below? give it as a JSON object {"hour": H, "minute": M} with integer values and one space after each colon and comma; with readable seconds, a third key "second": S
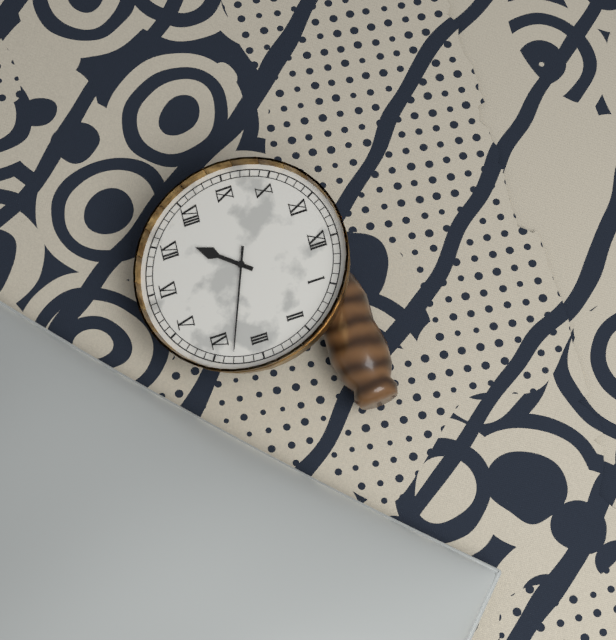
{"hour": 7, "minute": 18}
